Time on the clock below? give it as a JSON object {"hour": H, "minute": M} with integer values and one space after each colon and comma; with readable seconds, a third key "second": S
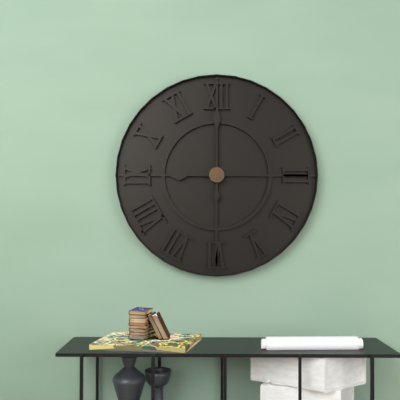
{"hour": 9, "minute": 0}
